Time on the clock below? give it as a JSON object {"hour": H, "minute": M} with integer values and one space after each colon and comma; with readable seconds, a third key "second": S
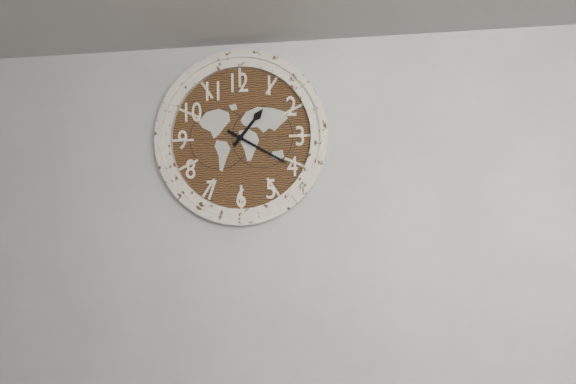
{"hour": 1, "minute": 20}
